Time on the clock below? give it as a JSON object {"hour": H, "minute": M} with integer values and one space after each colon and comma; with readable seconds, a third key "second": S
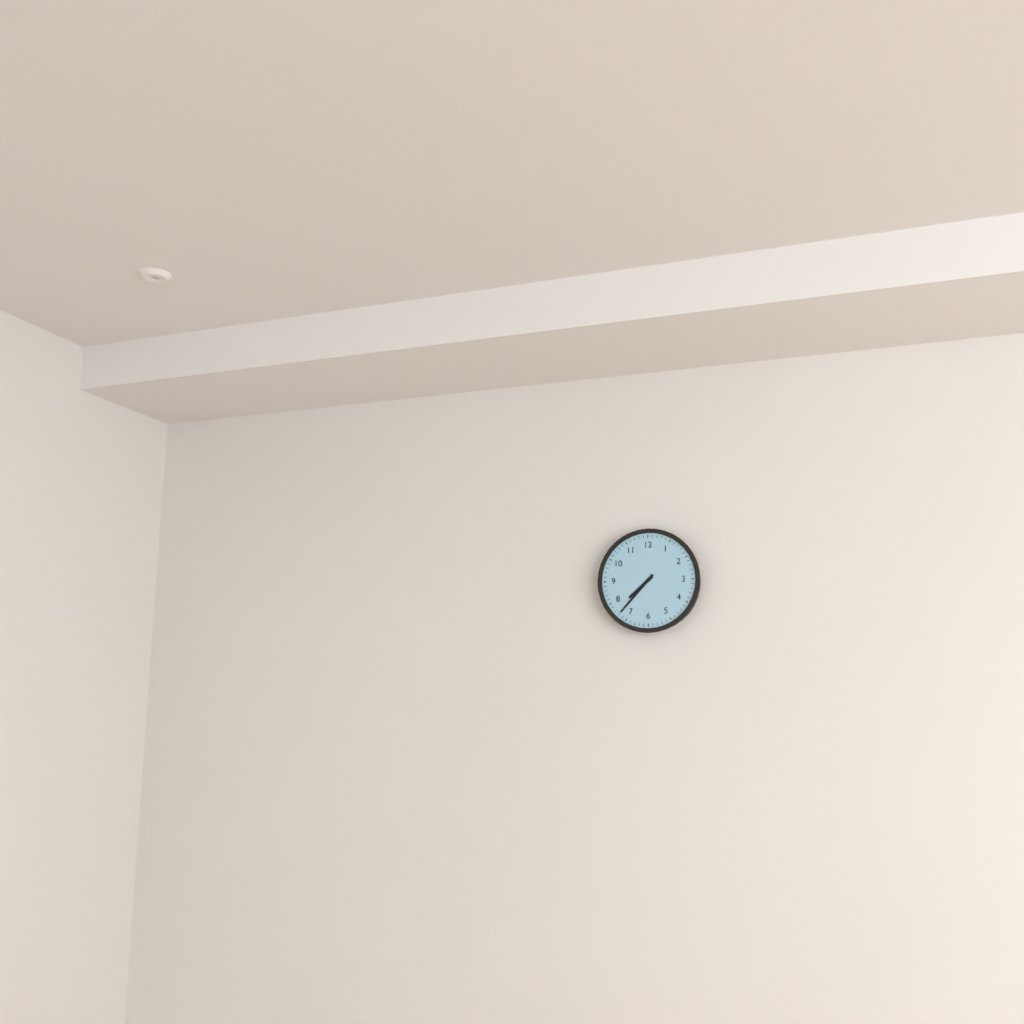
{"hour": 7, "minute": 37}
